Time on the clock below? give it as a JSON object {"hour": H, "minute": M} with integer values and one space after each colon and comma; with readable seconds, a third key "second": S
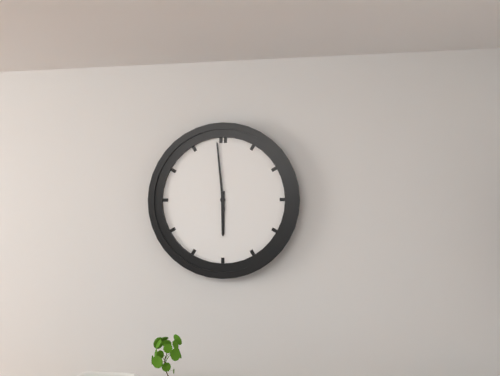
{"hour": 5, "minute": 59}
